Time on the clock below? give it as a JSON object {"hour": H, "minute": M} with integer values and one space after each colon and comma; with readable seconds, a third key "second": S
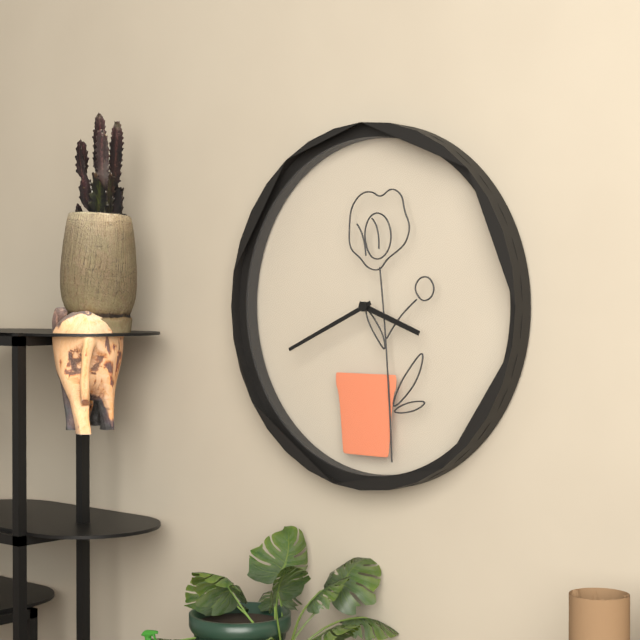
{"hour": 3, "minute": 41}
